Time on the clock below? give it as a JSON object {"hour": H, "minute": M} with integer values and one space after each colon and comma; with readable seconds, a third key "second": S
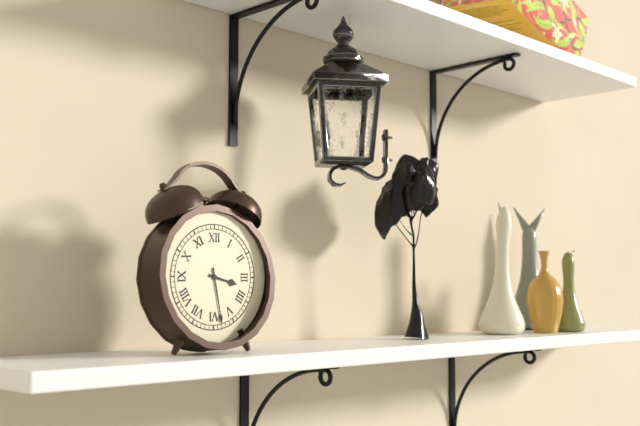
{"hour": 3, "minute": 28}
